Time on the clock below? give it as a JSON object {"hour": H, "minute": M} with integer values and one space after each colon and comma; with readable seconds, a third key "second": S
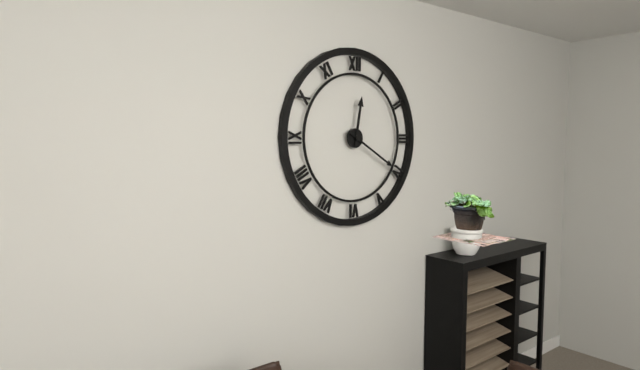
{"hour": 12, "minute": 20}
